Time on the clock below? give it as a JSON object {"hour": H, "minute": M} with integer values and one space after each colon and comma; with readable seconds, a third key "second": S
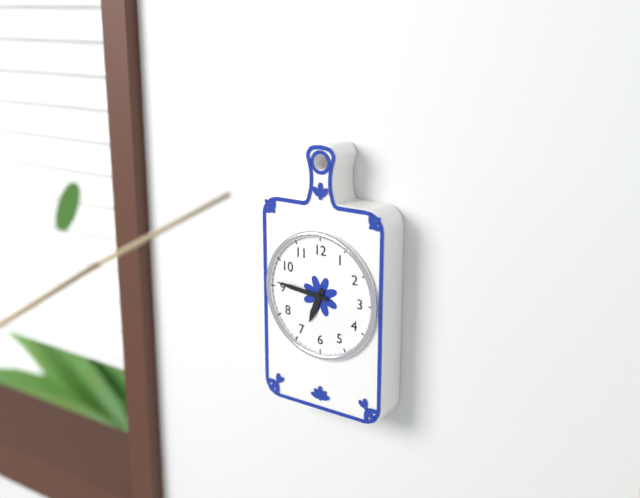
{"hour": 6, "minute": 46}
